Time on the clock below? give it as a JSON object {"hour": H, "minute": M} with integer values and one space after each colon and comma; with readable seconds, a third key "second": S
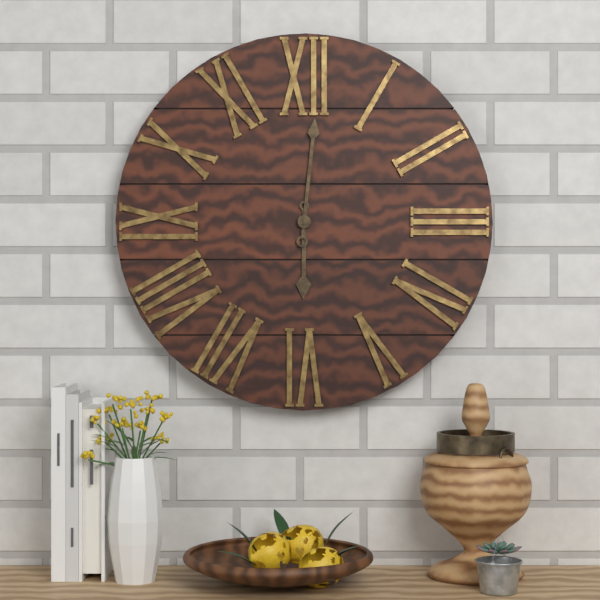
{"hour": 6, "minute": 1}
